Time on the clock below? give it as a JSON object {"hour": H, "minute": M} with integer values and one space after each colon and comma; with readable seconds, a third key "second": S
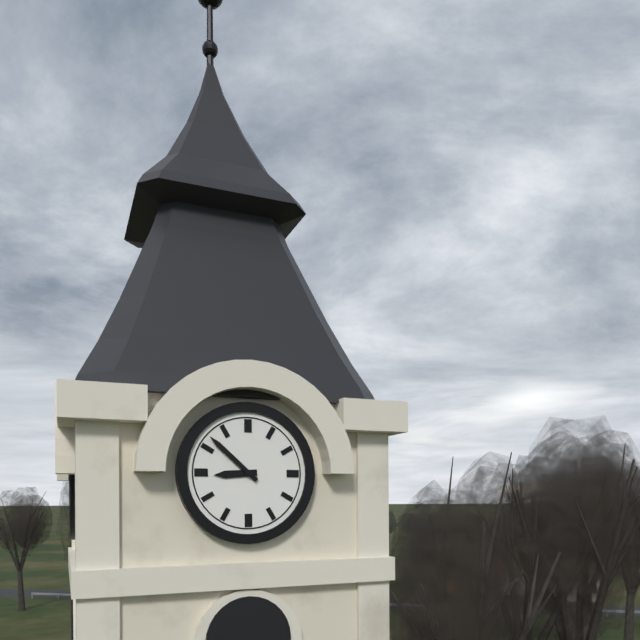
{"hour": 8, "minute": 52}
